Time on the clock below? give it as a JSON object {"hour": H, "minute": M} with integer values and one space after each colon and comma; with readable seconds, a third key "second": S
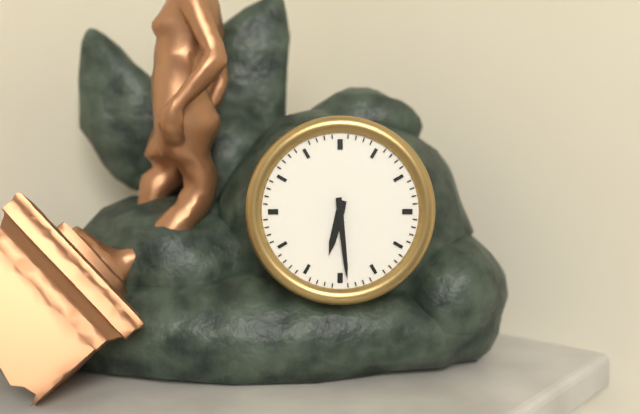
{"hour": 6, "minute": 29}
